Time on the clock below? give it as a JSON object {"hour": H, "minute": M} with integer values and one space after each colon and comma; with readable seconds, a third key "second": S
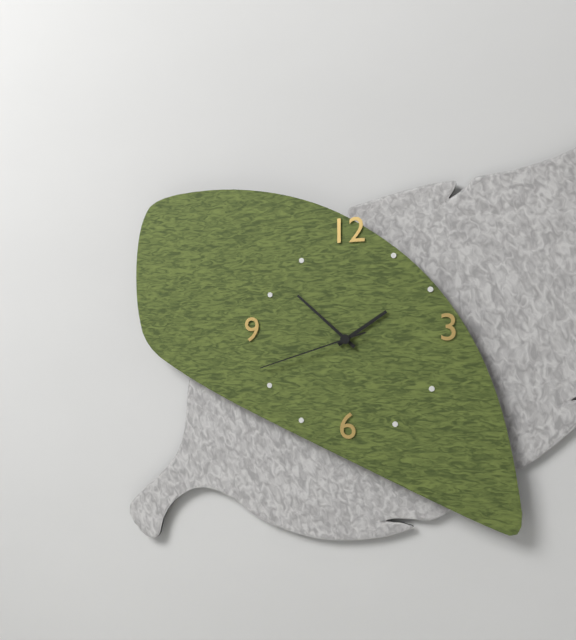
{"hour": 1, "minute": 52, "second": 42}
